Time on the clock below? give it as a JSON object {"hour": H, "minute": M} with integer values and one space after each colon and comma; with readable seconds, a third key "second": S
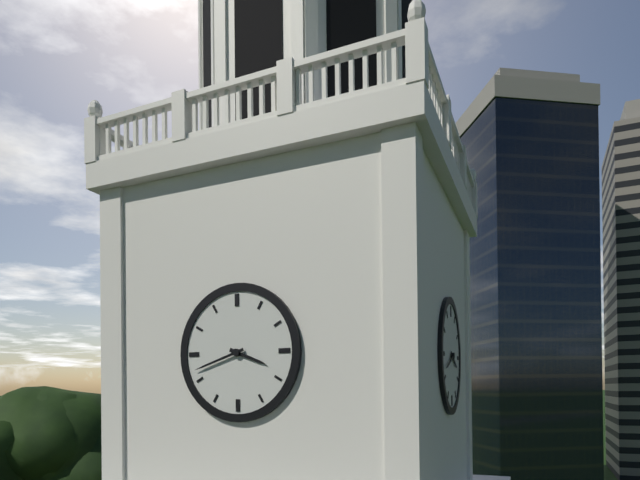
{"hour": 3, "minute": 42}
